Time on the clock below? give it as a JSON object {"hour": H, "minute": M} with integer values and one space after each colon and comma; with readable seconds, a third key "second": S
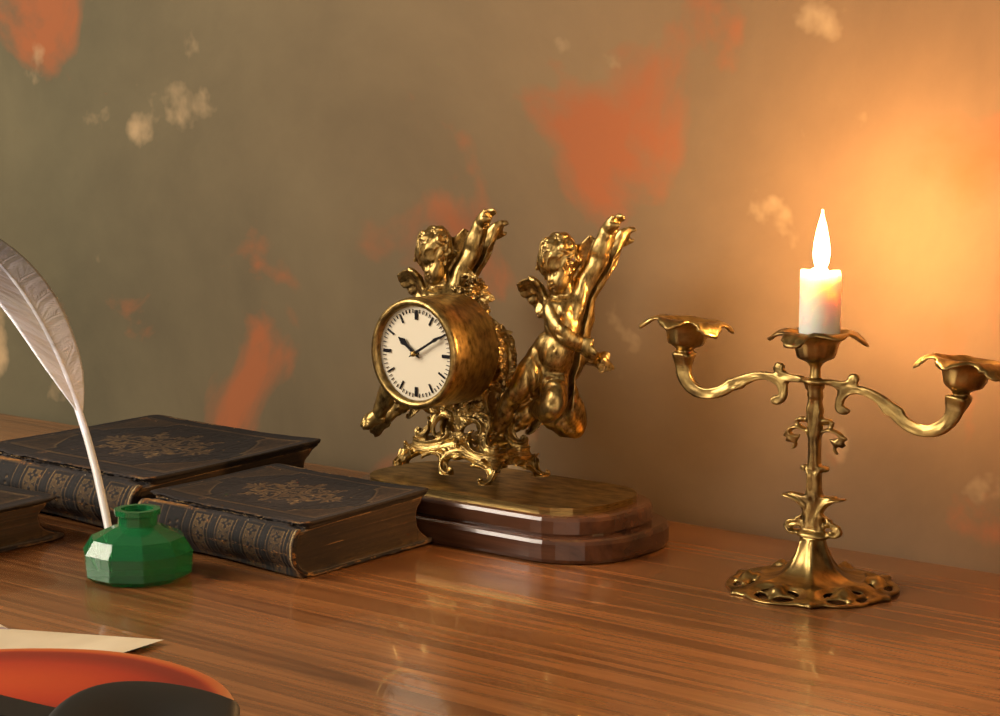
{"hour": 10, "minute": 10}
